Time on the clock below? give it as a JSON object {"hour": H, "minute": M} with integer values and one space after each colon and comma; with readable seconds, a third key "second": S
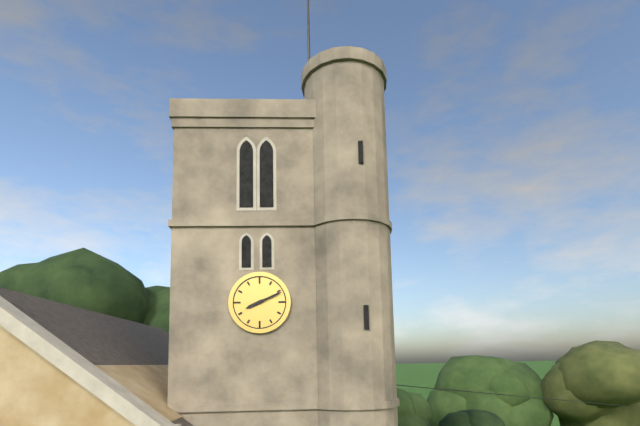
{"hour": 8, "minute": 11}
